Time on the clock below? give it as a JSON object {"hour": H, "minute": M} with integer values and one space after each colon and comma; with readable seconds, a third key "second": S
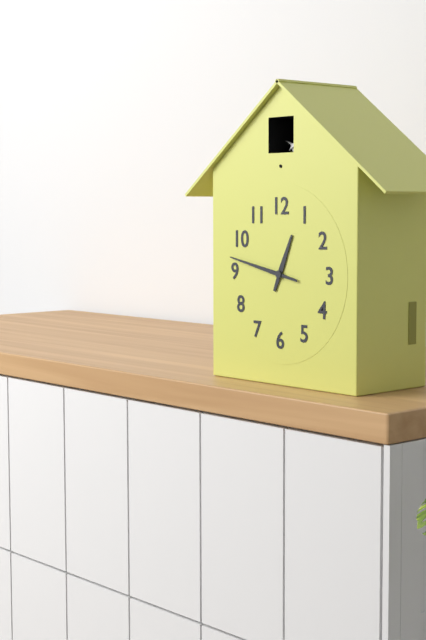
{"hour": 12, "minute": 47}
